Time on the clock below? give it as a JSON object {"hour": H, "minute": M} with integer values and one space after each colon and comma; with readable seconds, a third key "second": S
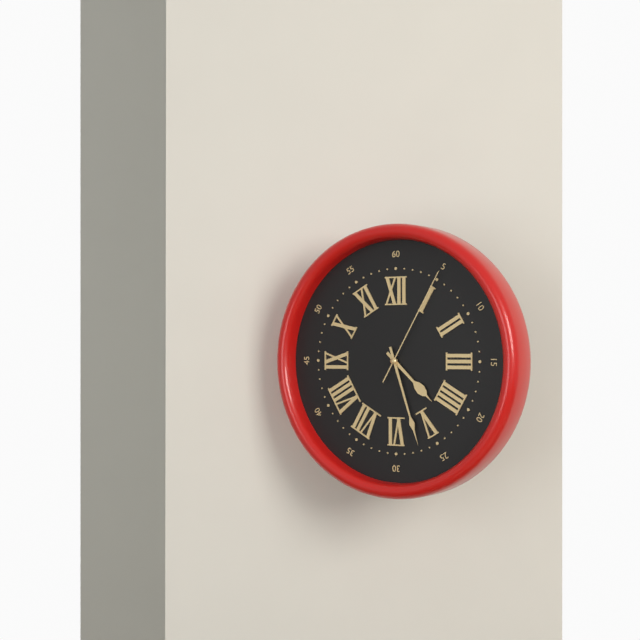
{"hour": 4, "minute": 27, "second": 5}
